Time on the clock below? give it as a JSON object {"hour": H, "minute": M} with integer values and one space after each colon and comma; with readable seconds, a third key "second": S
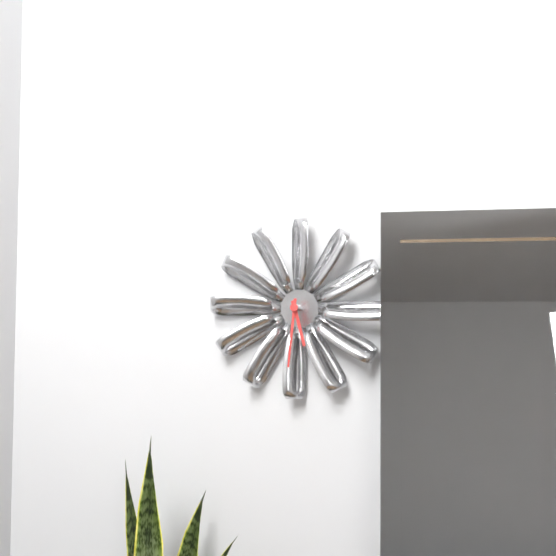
{"hour": 5, "minute": 31}
